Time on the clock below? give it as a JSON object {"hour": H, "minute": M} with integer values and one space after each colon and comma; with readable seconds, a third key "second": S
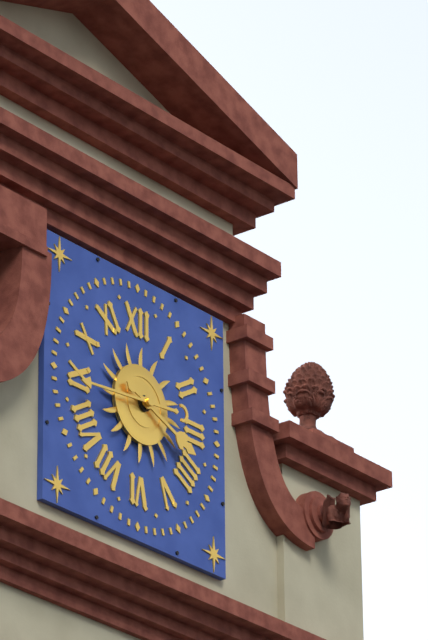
{"hour": 3, "minute": 44}
